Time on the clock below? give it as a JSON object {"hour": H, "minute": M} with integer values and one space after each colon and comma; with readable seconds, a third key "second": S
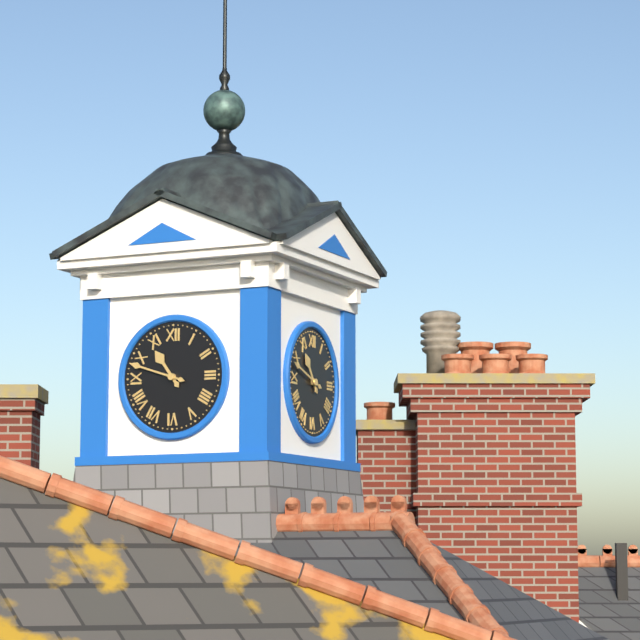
{"hour": 10, "minute": 48}
